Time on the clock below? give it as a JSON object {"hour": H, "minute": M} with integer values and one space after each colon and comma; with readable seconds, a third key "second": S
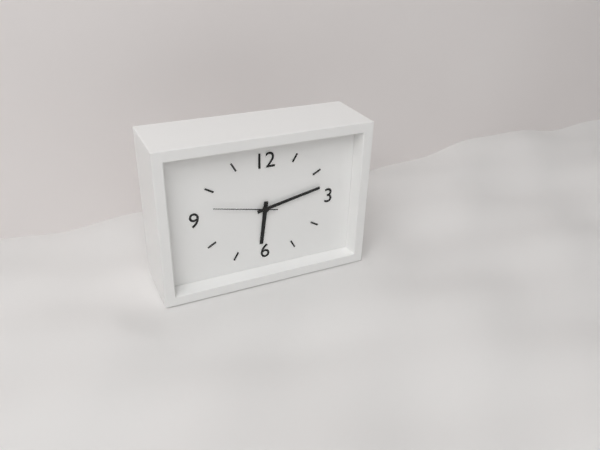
{"hour": 6, "minute": 13, "second": 47}
